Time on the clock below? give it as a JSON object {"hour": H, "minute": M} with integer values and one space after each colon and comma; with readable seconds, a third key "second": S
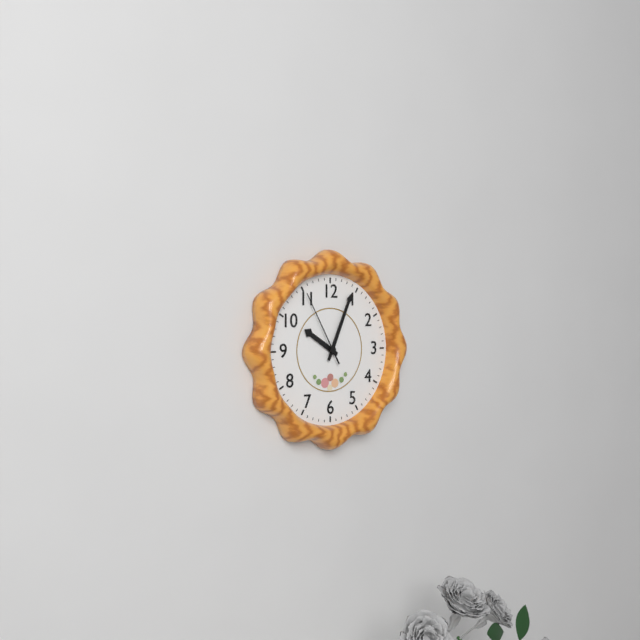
{"hour": 10, "minute": 4, "second": 55}
